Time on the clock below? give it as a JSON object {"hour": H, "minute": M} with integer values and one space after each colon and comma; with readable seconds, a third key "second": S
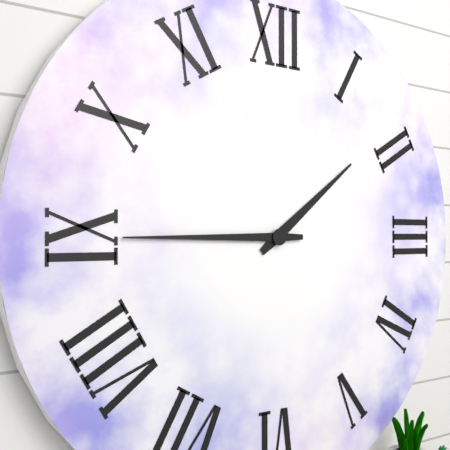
{"hour": 1, "minute": 45}
